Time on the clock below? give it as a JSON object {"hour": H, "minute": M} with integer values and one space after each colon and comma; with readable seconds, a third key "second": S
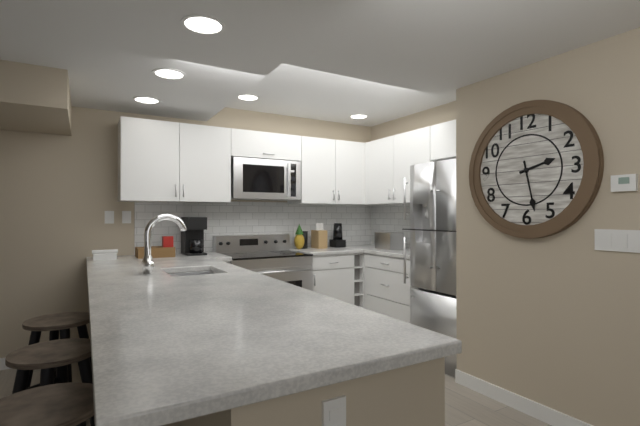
{"hour": 2, "minute": 28}
